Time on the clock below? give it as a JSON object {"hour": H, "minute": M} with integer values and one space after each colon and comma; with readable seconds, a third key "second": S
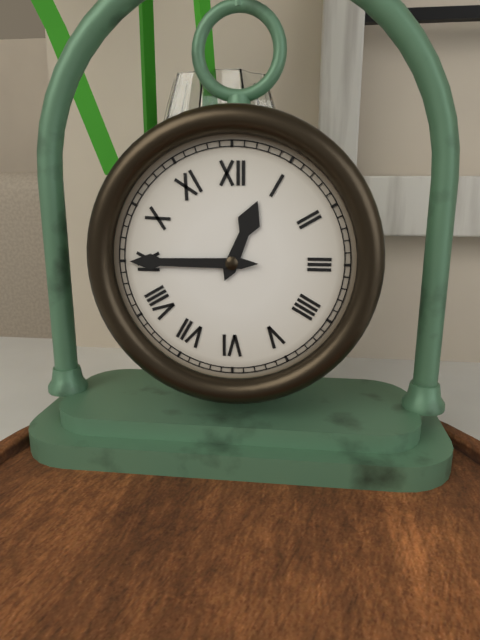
{"hour": 12, "minute": 45}
